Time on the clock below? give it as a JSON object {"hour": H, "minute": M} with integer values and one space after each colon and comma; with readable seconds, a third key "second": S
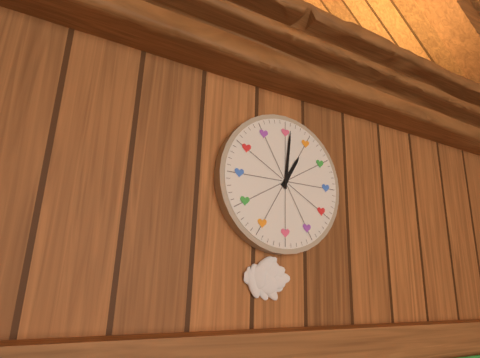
{"hour": 1, "minute": 1}
